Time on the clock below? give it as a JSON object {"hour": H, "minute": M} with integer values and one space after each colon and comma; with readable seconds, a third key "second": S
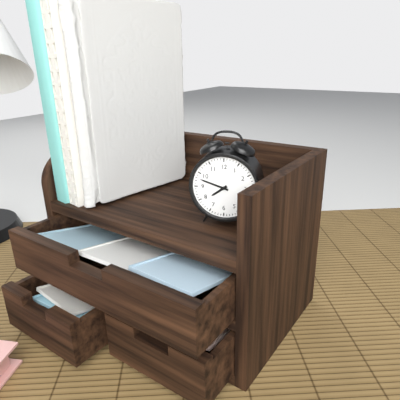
{"hour": 7, "minute": 48}
